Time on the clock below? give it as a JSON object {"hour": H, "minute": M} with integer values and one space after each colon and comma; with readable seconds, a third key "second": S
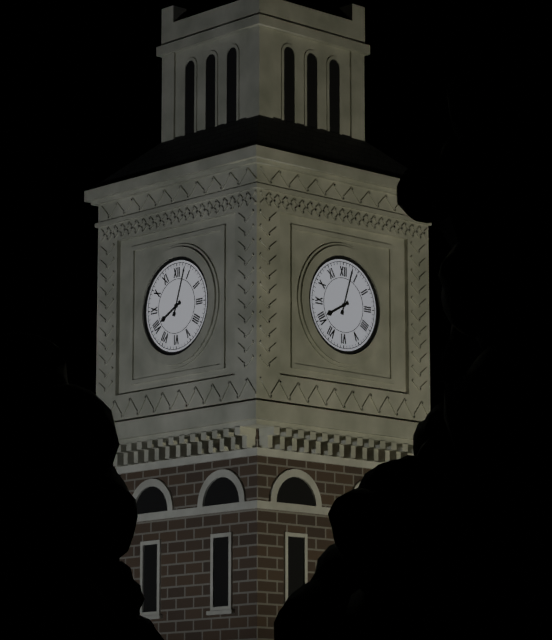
{"hour": 8, "minute": 3}
